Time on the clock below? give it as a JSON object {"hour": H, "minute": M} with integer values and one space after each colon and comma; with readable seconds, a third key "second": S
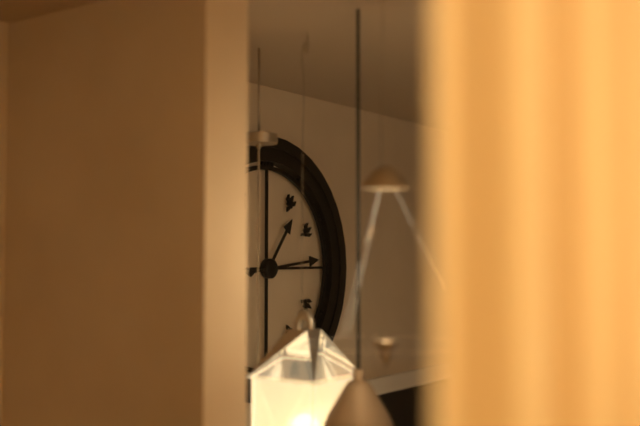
{"hour": 1, "minute": 14}
